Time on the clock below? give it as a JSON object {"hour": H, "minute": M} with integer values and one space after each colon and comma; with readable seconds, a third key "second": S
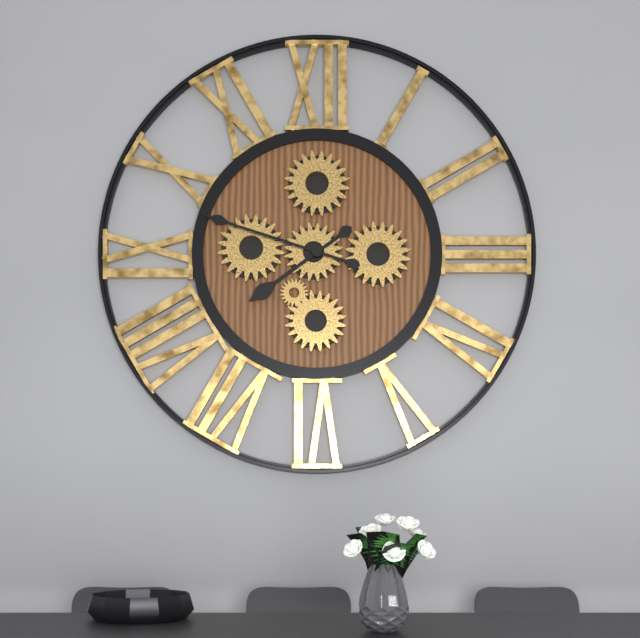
{"hour": 7, "minute": 48}
